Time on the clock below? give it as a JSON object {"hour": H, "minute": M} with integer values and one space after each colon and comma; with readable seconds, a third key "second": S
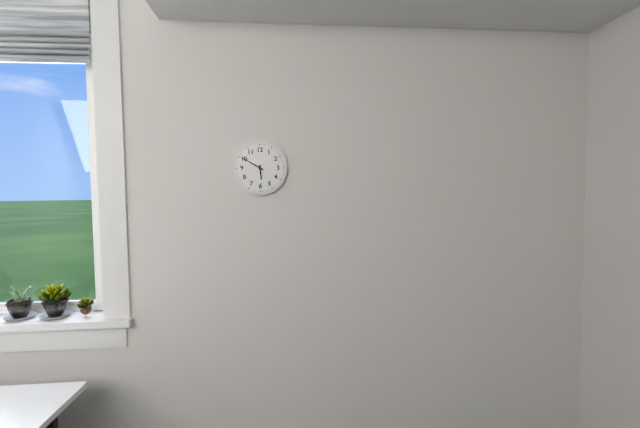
{"hour": 5, "minute": 50}
